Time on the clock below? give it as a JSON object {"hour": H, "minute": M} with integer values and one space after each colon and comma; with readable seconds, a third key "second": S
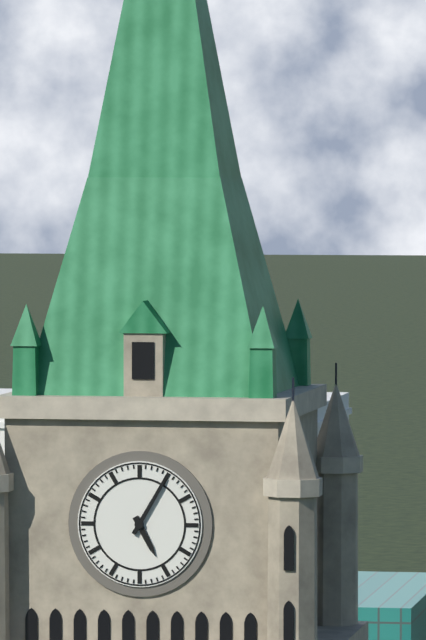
{"hour": 5, "minute": 5}
